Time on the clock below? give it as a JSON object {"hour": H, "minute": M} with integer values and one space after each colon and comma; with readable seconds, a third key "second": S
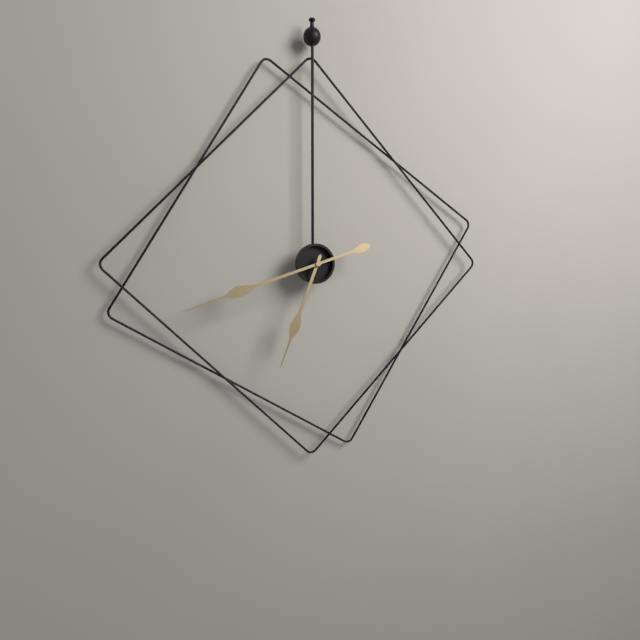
{"hour": 6, "minute": 42}
